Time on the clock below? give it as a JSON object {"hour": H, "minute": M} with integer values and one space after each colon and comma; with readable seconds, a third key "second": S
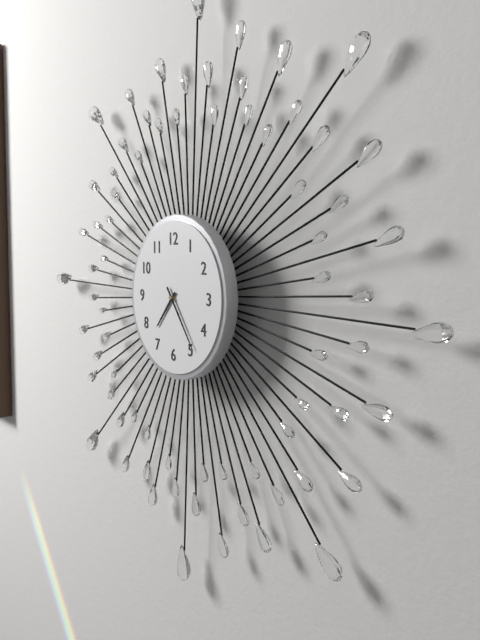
{"hour": 7, "minute": 24}
